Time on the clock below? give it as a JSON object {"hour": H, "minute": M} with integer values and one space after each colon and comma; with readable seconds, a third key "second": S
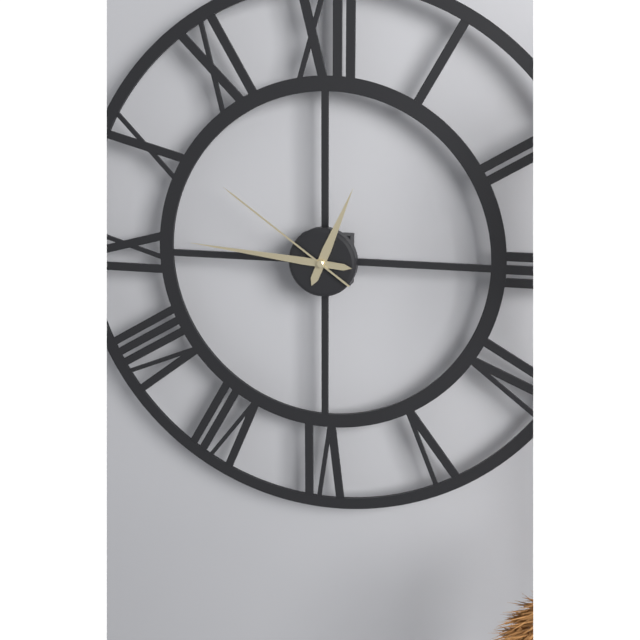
{"hour": 12, "minute": 46, "second": 51}
